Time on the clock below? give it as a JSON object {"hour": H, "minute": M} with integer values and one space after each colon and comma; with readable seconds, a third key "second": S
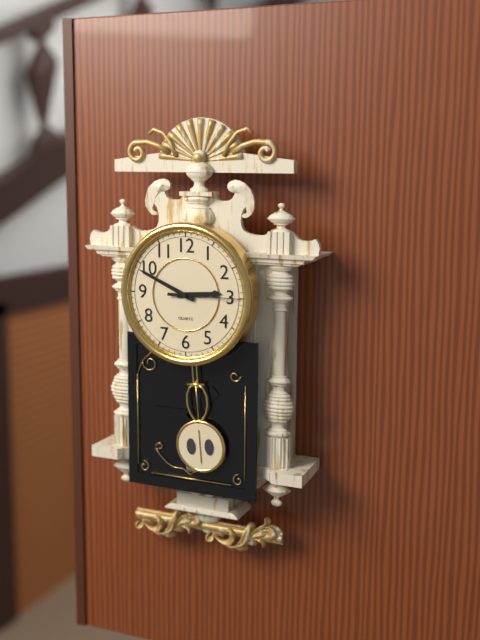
{"hour": 2, "minute": 49, "second": 15}
